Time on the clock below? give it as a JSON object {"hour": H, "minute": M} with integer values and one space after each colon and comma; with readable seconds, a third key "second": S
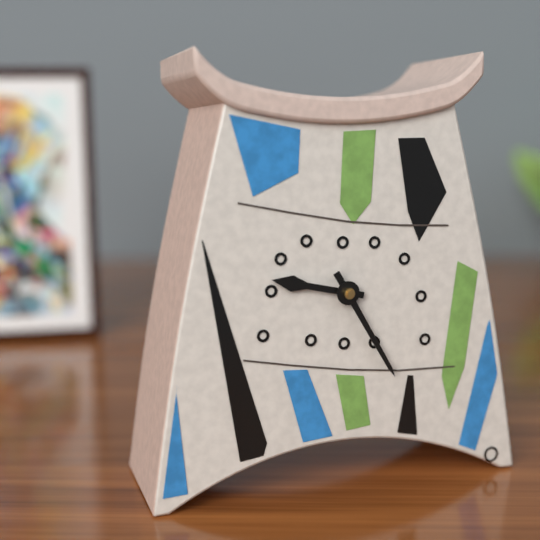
{"hour": 9, "minute": 25}
